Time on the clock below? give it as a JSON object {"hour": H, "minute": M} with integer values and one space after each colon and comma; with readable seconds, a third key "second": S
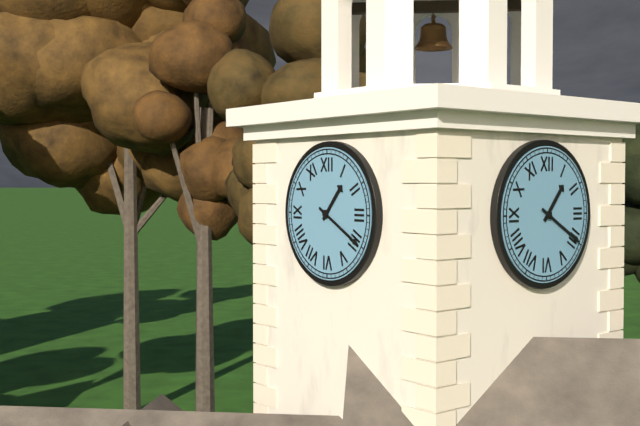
{"hour": 1, "minute": 20}
